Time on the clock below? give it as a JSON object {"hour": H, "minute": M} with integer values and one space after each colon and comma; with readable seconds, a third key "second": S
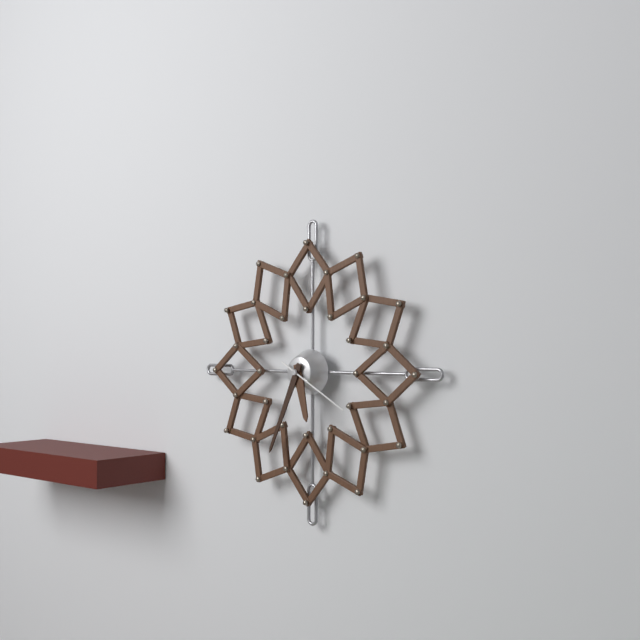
{"hour": 5, "minute": 34, "second": 20}
